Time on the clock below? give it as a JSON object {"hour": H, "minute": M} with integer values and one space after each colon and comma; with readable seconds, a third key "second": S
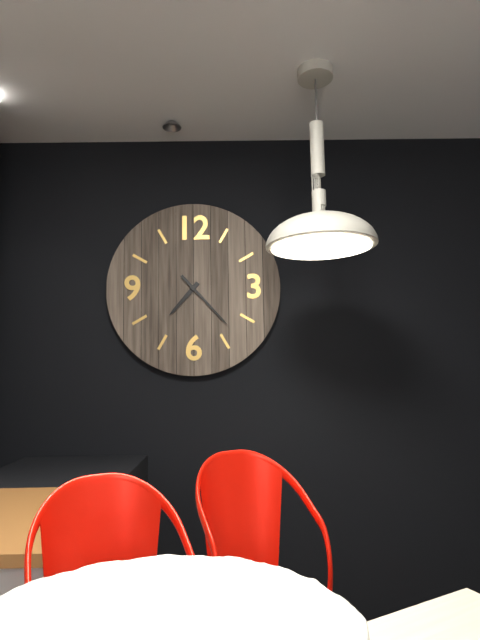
{"hour": 7, "minute": 23}
